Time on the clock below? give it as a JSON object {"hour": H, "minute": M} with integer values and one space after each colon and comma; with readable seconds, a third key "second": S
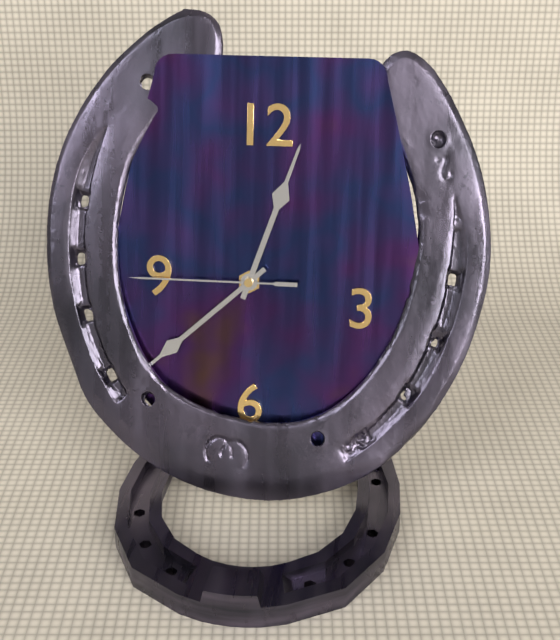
{"hour": 12, "minute": 38, "second": 45}
